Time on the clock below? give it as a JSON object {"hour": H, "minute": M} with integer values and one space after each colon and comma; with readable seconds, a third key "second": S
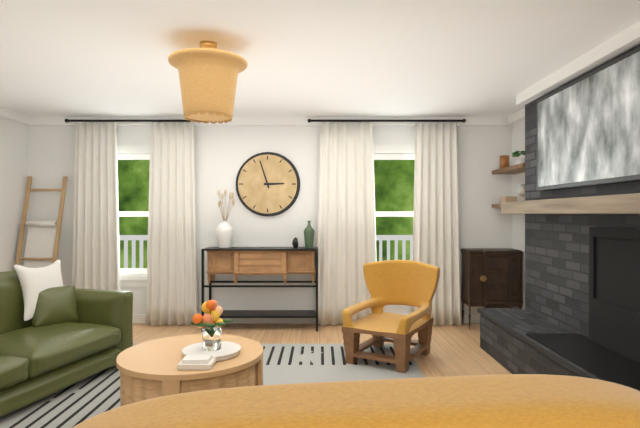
{"hour": 2, "minute": 57}
